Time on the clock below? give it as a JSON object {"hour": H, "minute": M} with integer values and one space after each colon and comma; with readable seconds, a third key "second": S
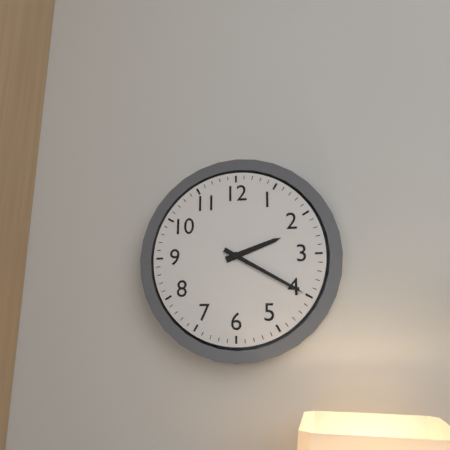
{"hour": 2, "minute": 20}
